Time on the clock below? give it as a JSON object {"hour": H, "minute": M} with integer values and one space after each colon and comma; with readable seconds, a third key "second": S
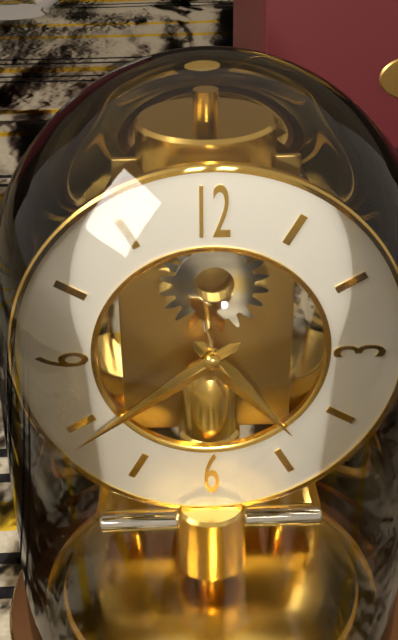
{"hour": 4, "minute": 39}
